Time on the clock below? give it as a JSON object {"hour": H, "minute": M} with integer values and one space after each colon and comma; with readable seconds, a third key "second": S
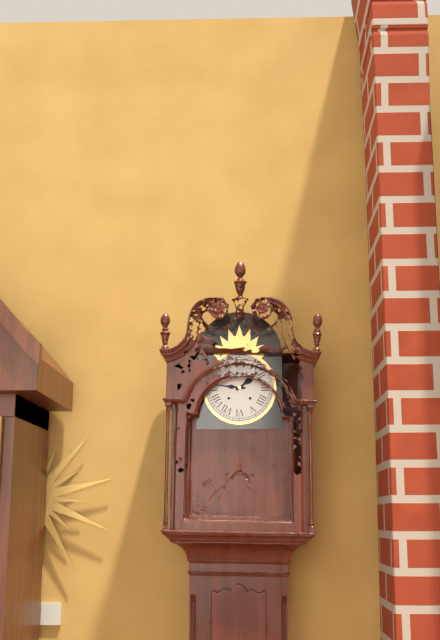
{"hour": 1, "minute": 46}
